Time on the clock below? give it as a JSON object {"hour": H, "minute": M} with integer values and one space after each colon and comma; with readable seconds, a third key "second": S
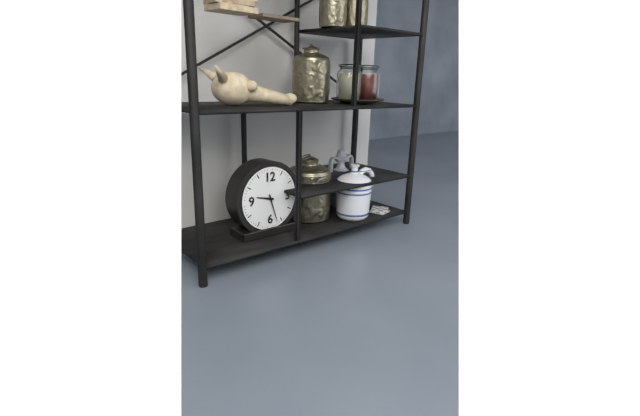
{"hour": 9, "minute": 27}
